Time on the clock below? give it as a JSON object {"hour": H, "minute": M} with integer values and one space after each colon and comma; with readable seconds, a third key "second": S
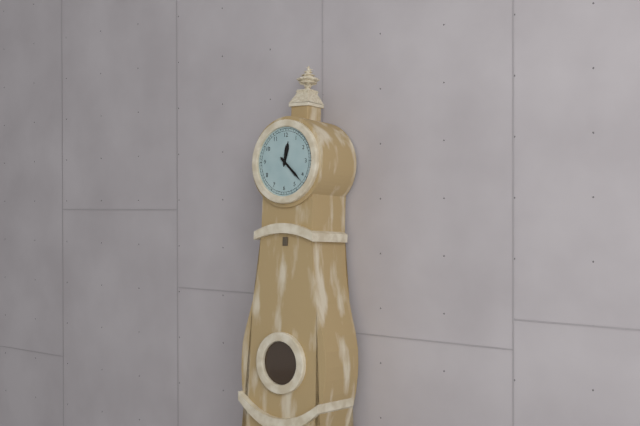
{"hour": 12, "minute": 22}
